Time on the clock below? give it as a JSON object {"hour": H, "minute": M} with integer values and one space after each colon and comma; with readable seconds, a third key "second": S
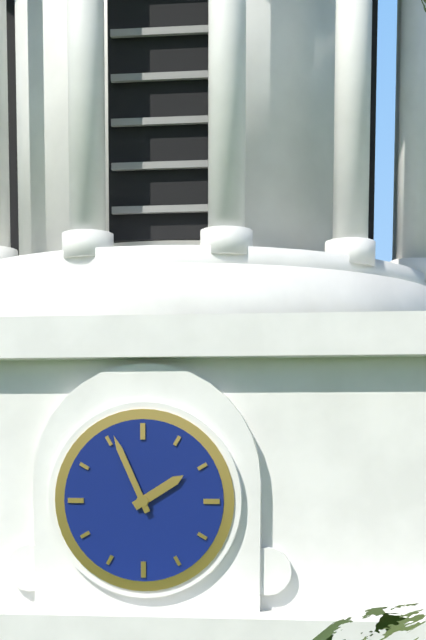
{"hour": 1, "minute": 56}
